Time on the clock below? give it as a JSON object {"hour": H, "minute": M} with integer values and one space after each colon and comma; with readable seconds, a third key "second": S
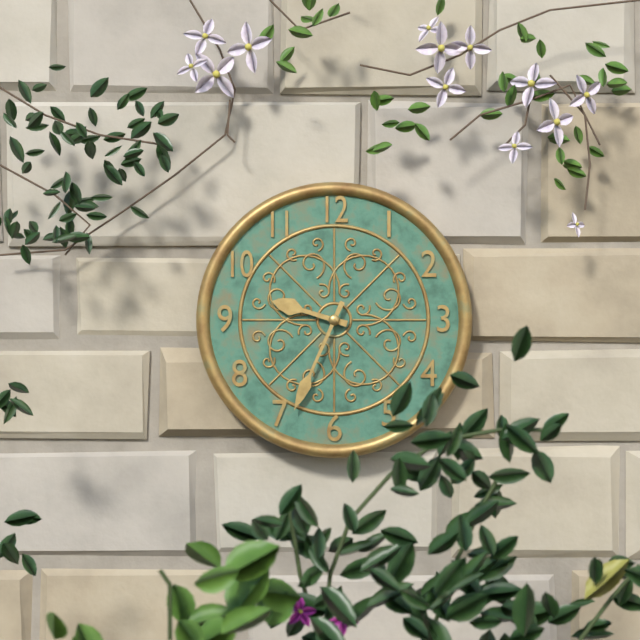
{"hour": 9, "minute": 34}
